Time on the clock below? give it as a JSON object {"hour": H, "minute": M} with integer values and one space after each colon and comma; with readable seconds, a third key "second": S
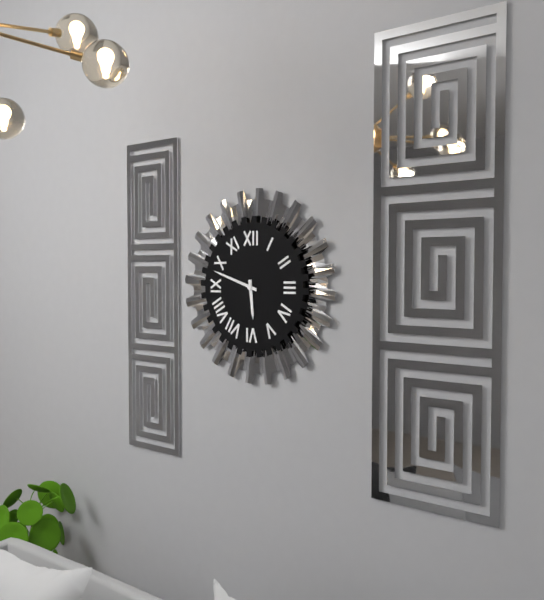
{"hour": 5, "minute": 48}
